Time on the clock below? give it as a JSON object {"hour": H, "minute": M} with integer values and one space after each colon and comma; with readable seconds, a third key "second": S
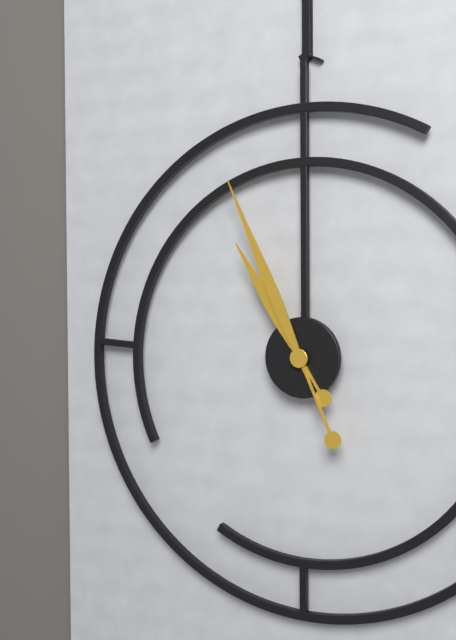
{"hour": 10, "minute": 56}
